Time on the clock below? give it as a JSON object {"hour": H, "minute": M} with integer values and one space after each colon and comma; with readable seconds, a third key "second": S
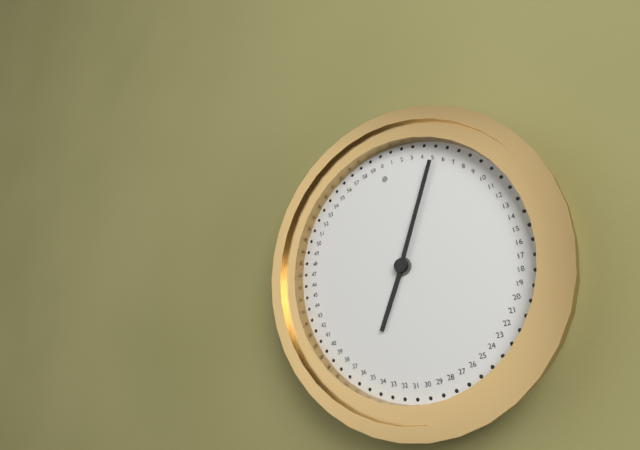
{"hour": 7, "minute": 5}
